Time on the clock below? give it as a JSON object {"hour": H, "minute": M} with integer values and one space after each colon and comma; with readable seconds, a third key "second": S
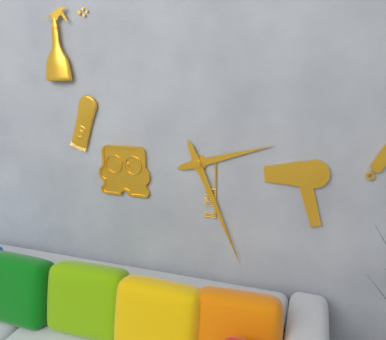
{"hour": 2, "minute": 26}
